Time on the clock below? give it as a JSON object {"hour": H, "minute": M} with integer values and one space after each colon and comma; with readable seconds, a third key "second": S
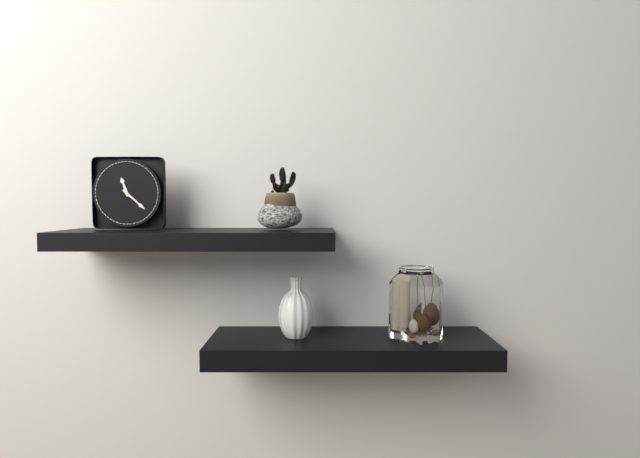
{"hour": 11, "minute": 22}
